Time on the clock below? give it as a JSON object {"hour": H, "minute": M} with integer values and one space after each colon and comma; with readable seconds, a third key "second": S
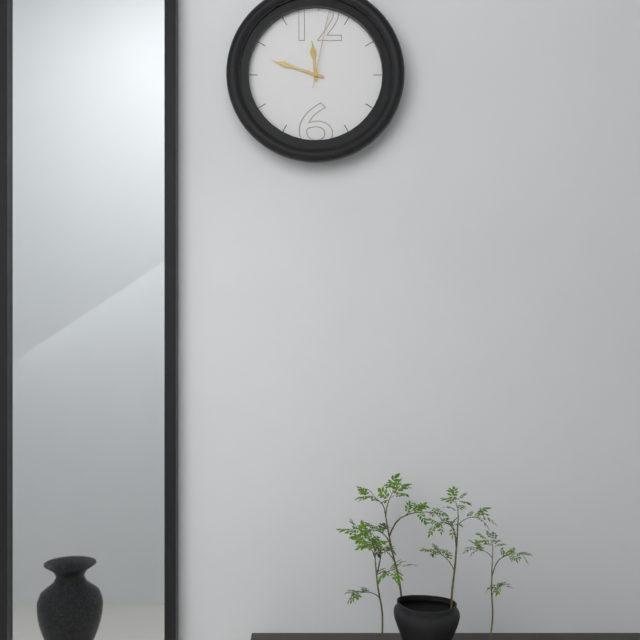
{"hour": 11, "minute": 48, "second": 2}
